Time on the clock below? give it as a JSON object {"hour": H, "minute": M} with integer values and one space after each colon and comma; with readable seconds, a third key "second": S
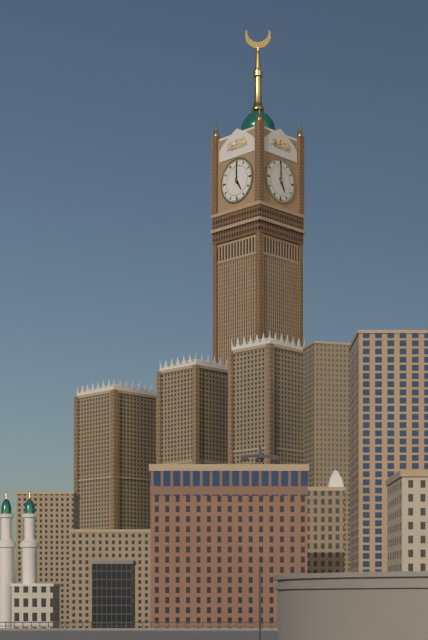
{"hour": 5, "minute": 0}
